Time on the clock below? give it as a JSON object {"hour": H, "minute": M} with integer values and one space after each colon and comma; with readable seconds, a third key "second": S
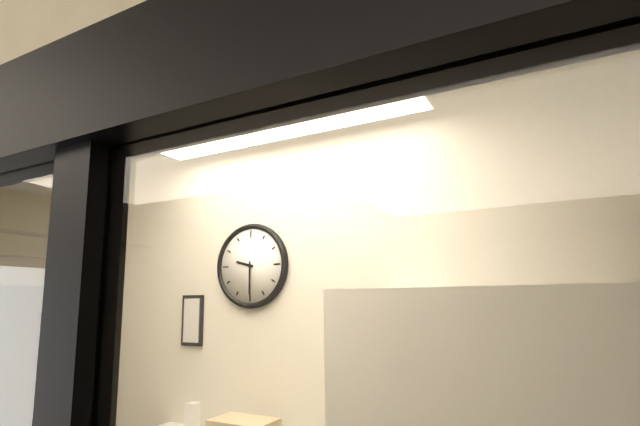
{"hour": 9, "minute": 30}
